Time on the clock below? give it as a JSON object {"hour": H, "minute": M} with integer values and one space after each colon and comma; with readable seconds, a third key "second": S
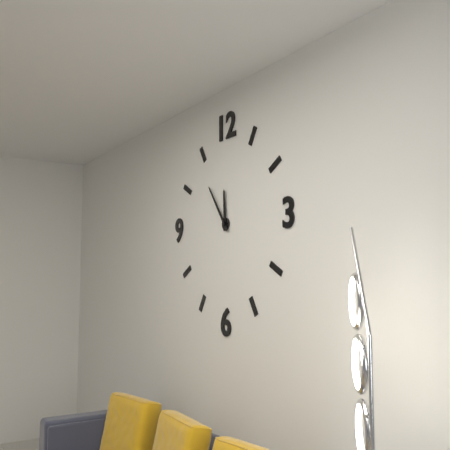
{"hour": 11, "minute": 54}
